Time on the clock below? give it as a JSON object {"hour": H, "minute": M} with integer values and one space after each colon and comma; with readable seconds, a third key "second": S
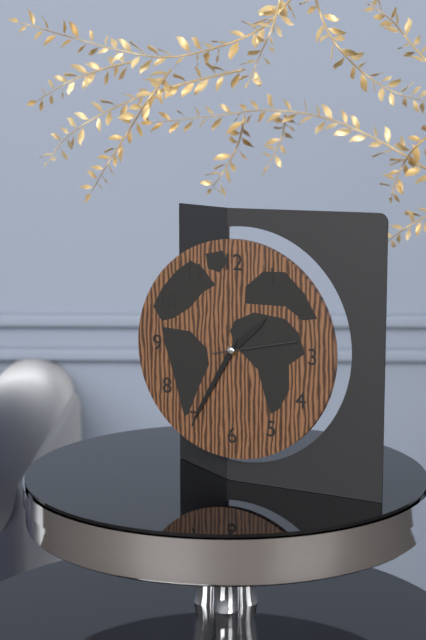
{"hour": 1, "minute": 35, "second": 13}
